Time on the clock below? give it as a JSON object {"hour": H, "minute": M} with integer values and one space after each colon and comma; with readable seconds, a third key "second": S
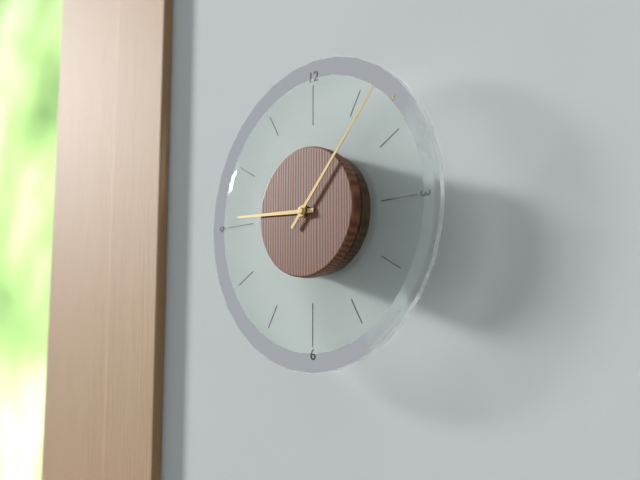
{"hour": 9, "minute": 7}
